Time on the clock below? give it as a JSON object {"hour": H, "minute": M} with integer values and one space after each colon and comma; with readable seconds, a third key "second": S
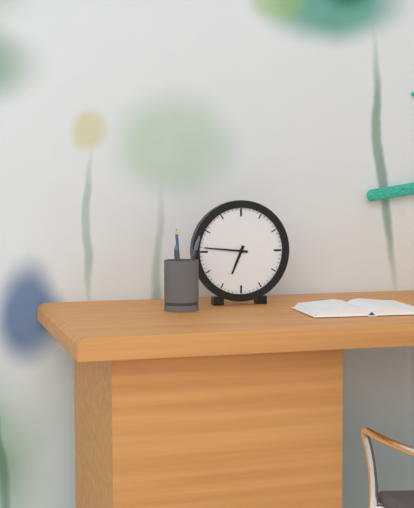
{"hour": 6, "minute": 46}
